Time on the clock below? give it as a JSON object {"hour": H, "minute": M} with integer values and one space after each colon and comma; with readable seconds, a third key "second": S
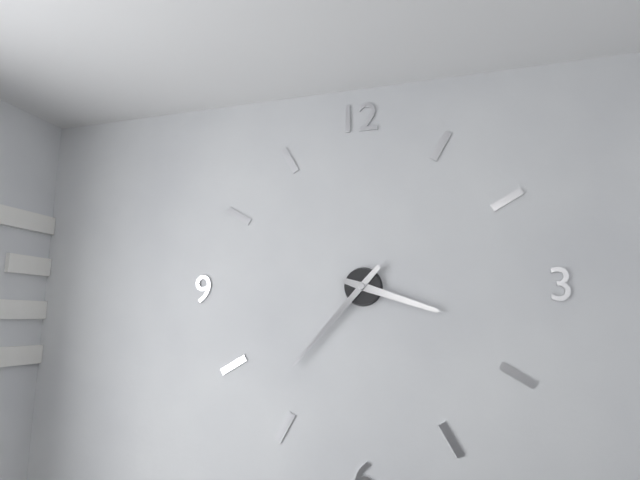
{"hour": 3, "minute": 37}
